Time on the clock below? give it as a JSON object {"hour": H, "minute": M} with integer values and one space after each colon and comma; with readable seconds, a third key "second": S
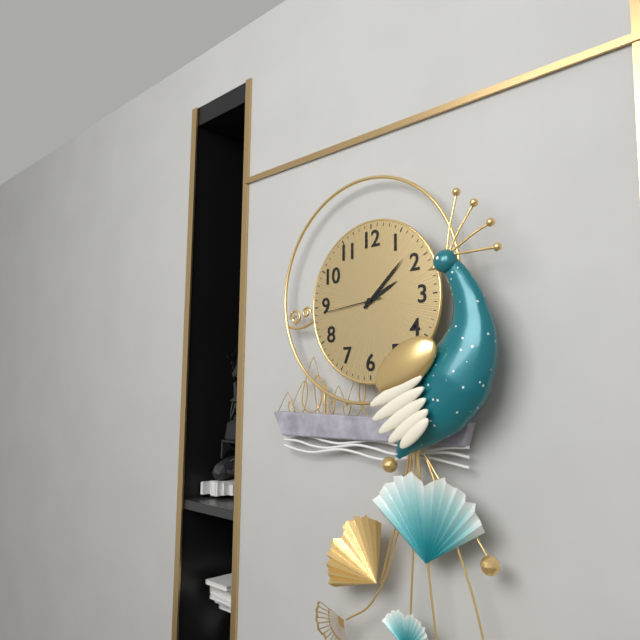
{"hour": 2, "minute": 8, "second": 44}
